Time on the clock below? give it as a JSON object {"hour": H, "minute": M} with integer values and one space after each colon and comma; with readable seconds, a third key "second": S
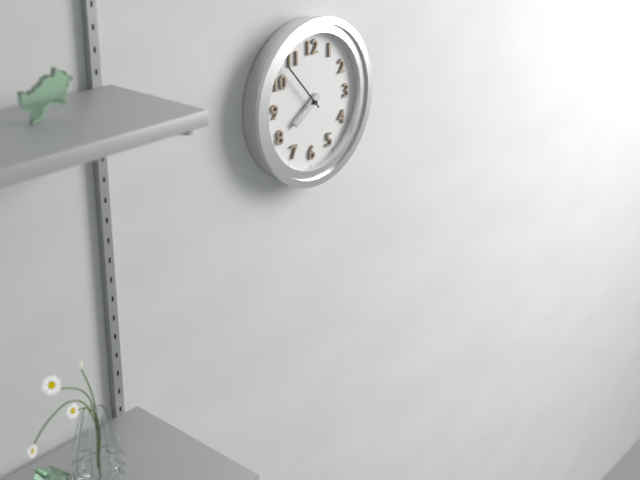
{"hour": 7, "minute": 53}
